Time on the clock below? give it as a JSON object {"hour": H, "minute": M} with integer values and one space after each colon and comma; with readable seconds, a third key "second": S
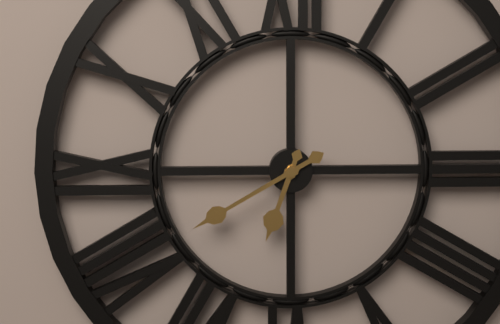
{"hour": 6, "minute": 40}
